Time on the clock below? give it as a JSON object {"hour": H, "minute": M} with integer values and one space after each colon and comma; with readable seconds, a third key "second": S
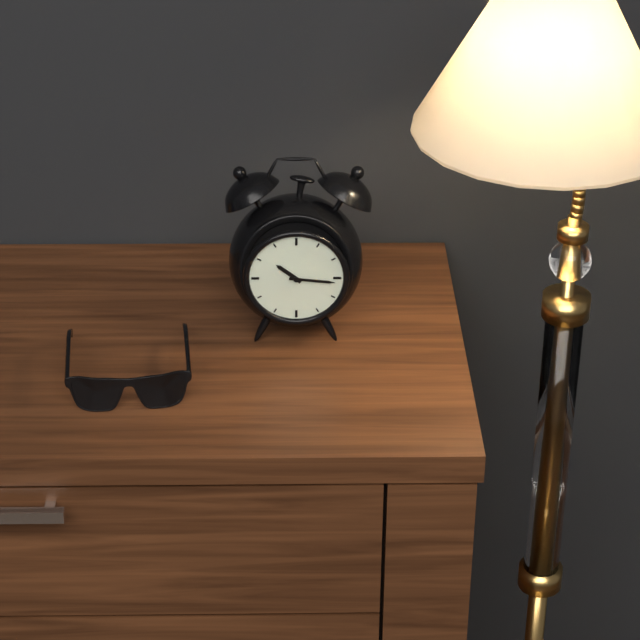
{"hour": 10, "minute": 16}
